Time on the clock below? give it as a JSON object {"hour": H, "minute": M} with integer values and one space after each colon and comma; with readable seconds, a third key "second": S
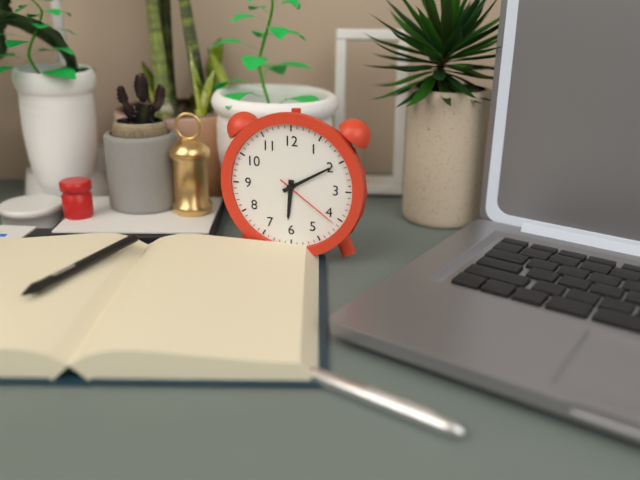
{"hour": 6, "minute": 10, "second": 21}
